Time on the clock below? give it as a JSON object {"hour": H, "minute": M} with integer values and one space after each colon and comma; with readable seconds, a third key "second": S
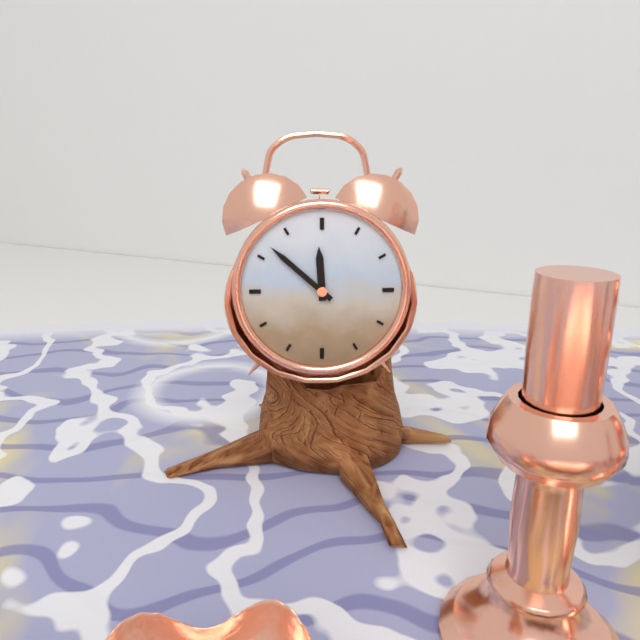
{"hour": 11, "minute": 52}
